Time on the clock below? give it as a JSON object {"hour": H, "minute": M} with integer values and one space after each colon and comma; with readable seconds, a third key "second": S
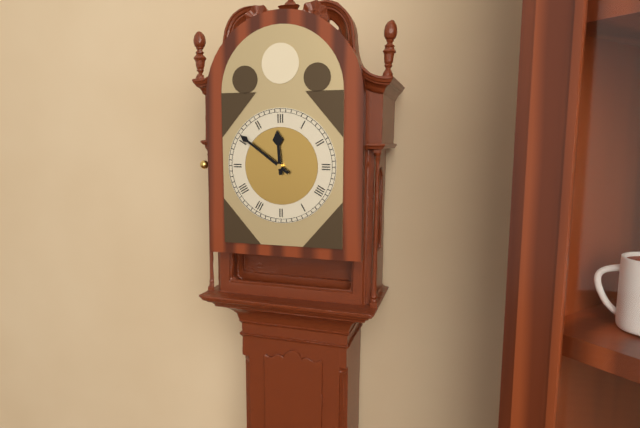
{"hour": 11, "minute": 51}
